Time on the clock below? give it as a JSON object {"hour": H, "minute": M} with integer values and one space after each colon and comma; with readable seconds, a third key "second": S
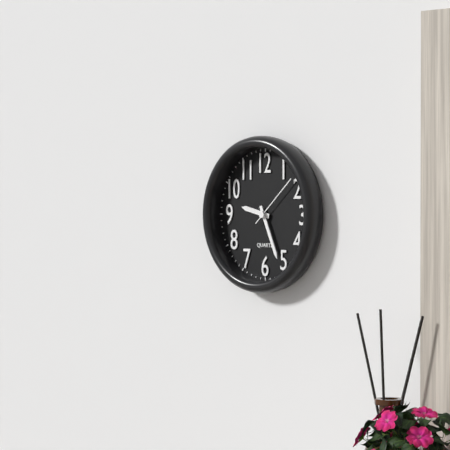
{"hour": 9, "minute": 26, "second": 8}
